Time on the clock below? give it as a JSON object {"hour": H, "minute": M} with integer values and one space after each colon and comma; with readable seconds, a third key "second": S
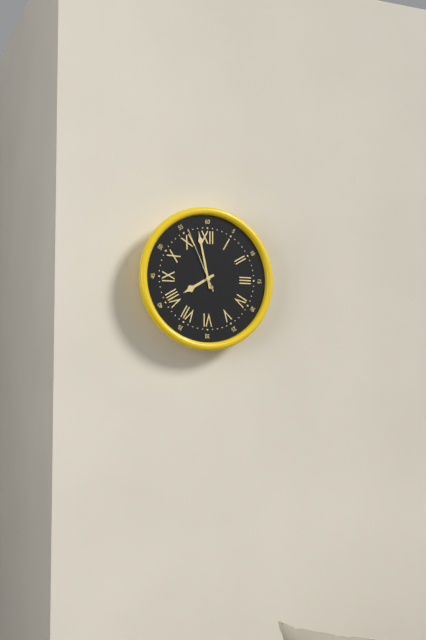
{"hour": 7, "minute": 58, "second": 56}
